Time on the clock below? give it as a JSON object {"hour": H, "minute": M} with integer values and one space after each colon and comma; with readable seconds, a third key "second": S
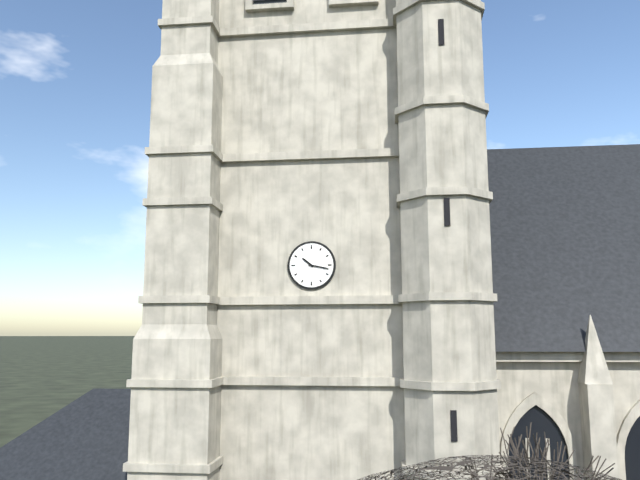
{"hour": 10, "minute": 17}
